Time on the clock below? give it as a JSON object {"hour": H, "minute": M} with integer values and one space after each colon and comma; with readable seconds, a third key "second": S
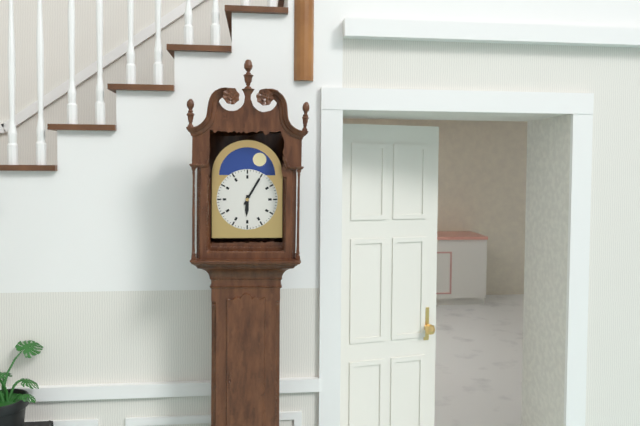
{"hour": 6, "minute": 5}
